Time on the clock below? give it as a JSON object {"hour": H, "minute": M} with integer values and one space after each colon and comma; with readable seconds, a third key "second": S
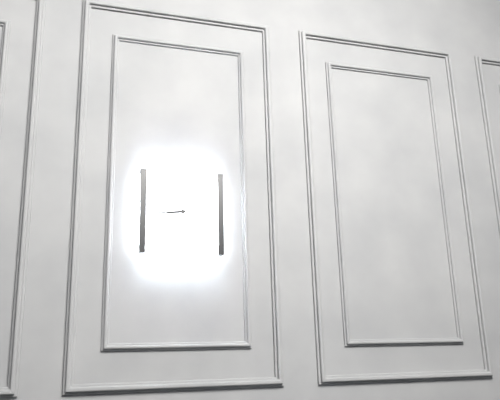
{"hour": 8, "minute": 44}
